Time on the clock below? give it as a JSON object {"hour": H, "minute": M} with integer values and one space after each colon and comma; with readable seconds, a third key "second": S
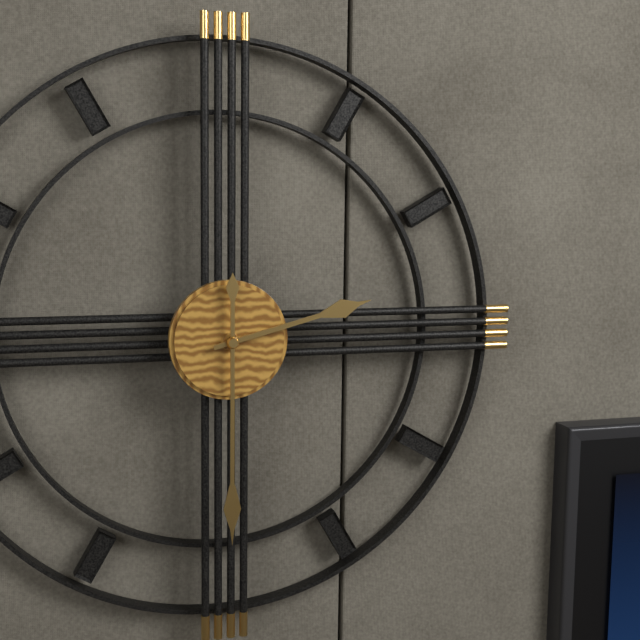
{"hour": 2, "minute": 30}
